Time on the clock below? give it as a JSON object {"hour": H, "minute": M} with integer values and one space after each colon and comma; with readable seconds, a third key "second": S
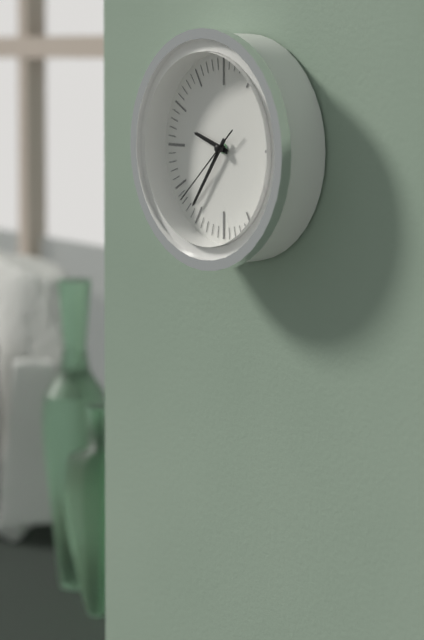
{"hour": 9, "minute": 36, "second": 38}
